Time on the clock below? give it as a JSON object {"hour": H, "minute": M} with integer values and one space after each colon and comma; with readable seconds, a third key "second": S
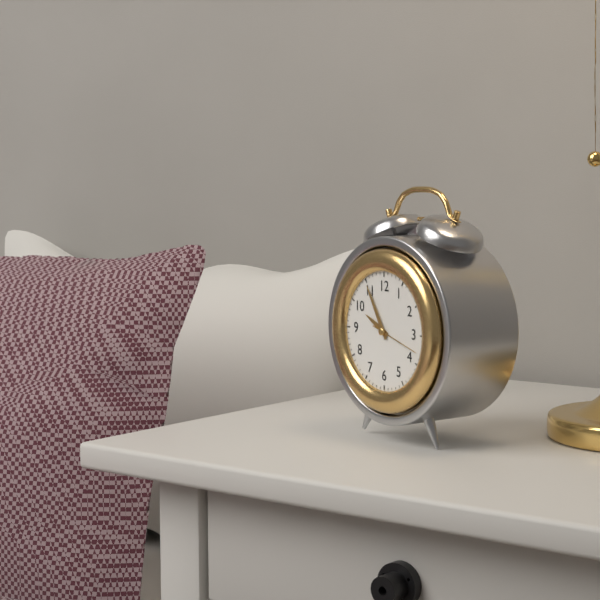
{"hour": 9, "minute": 55}
